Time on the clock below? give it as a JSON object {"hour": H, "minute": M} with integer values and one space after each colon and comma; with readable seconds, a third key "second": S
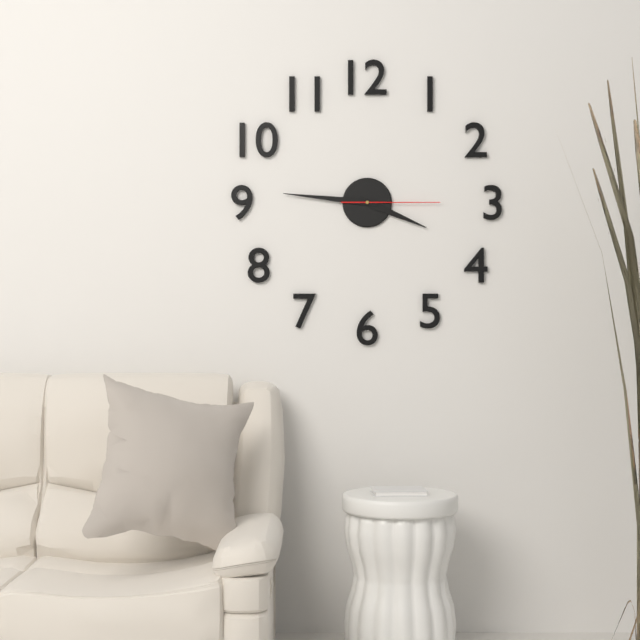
{"hour": 3, "minute": 46, "second": 15}
